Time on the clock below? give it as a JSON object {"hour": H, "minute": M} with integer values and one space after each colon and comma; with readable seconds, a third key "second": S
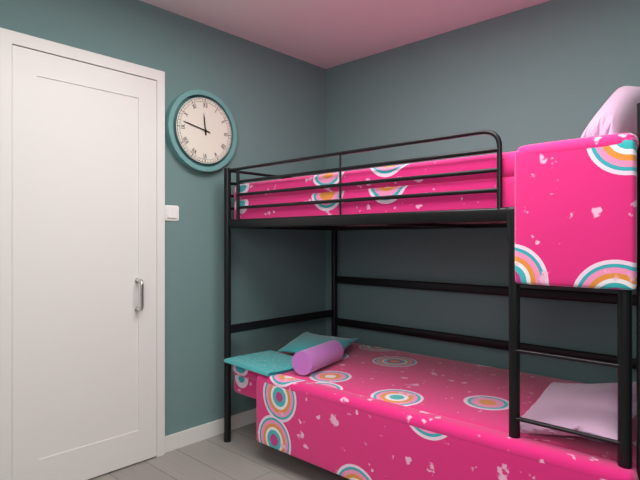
{"hour": 11, "minute": 47}
